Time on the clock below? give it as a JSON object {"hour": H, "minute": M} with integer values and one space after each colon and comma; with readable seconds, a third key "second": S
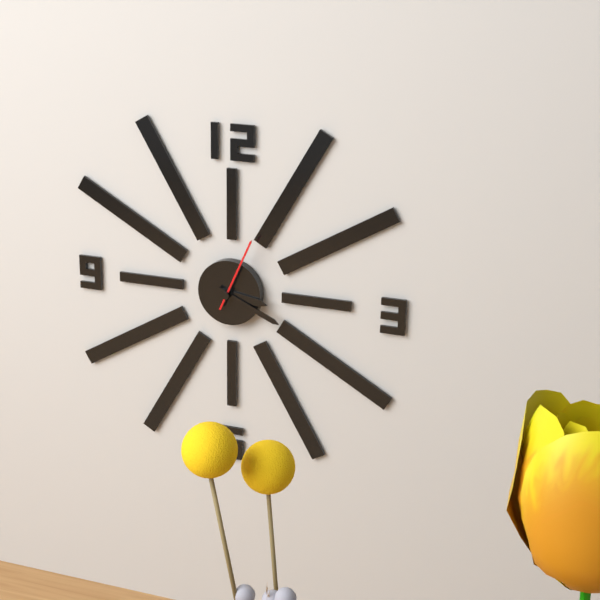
{"hour": 3, "minute": 19, "second": 4}
